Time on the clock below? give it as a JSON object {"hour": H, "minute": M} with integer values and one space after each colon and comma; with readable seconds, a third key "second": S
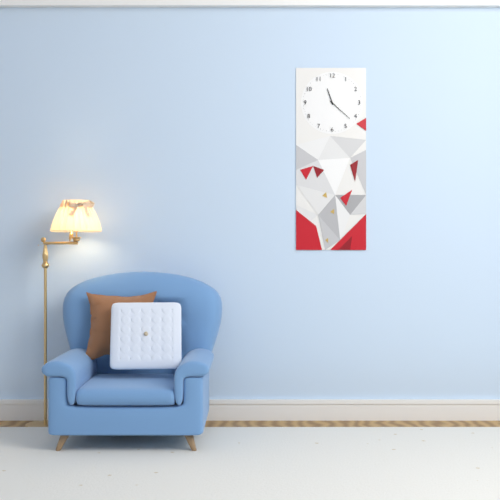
{"hour": 11, "minute": 22}
